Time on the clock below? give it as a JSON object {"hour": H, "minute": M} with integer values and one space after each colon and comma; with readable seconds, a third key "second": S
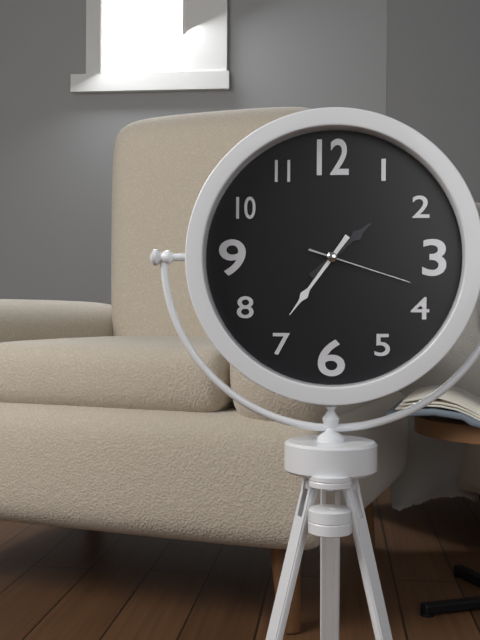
{"hour": 1, "minute": 36, "second": 18}
